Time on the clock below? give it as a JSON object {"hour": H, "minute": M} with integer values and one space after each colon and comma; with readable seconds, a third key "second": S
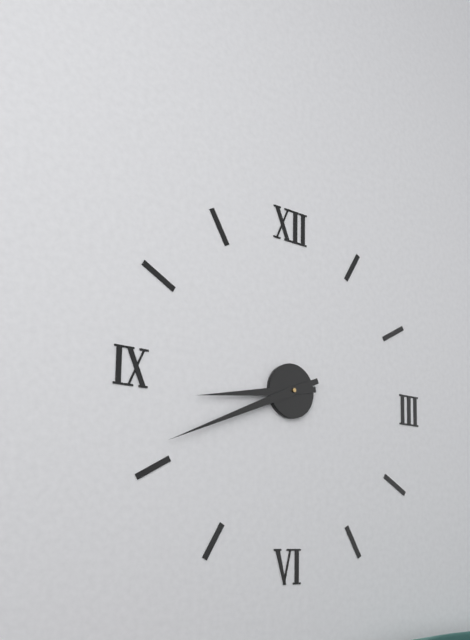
{"hour": 8, "minute": 41}
